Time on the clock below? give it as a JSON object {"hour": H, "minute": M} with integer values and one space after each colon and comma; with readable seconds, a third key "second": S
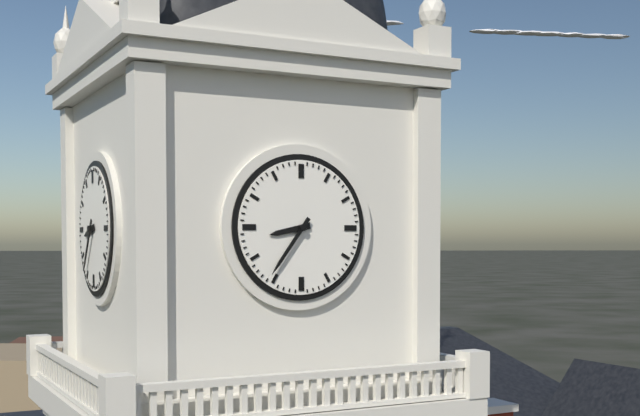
{"hour": 8, "minute": 36}
